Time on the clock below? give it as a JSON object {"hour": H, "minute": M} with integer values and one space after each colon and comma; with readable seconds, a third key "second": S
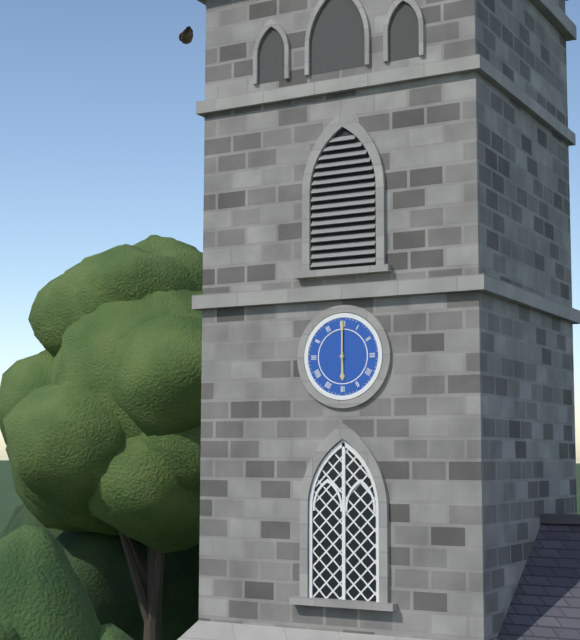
{"hour": 6, "minute": 0}
